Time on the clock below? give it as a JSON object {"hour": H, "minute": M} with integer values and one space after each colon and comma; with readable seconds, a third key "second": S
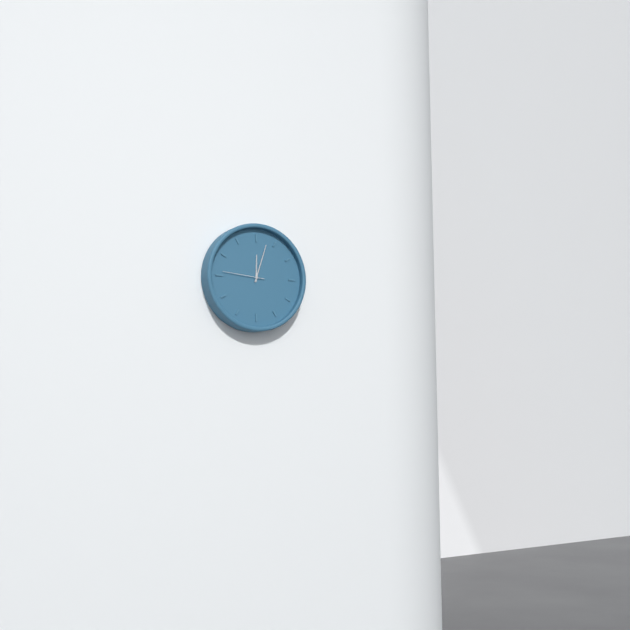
{"hour": 12, "minute": 3}
